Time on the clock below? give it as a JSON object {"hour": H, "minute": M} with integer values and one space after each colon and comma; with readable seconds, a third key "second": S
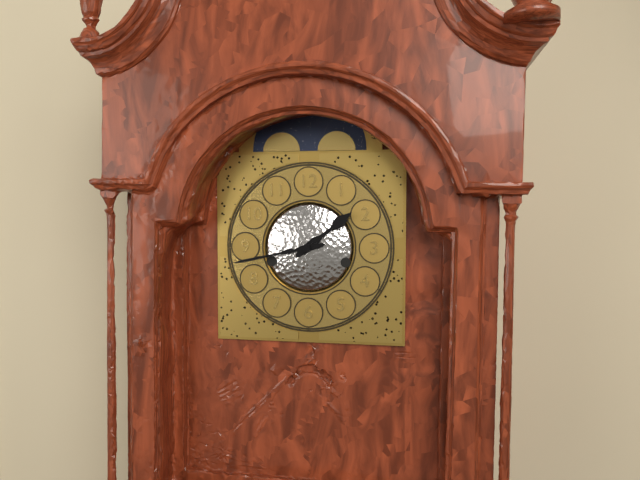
{"hour": 1, "minute": 43}
